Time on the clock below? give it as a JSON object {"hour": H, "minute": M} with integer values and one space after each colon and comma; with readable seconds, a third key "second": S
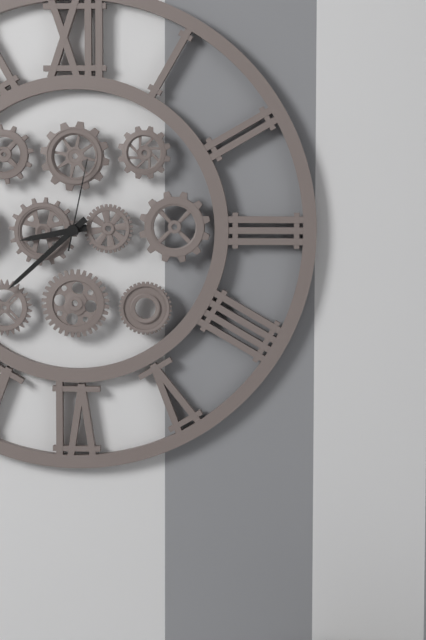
{"hour": 8, "minute": 38, "second": 2}
